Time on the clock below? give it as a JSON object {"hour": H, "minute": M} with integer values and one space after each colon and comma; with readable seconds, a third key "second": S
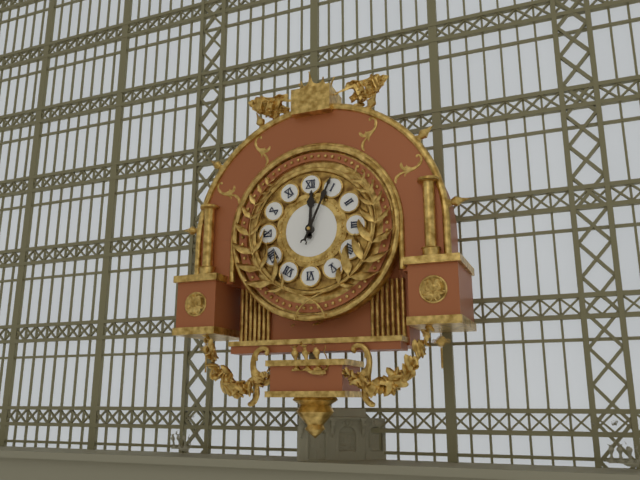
{"hour": 12, "minute": 4}
